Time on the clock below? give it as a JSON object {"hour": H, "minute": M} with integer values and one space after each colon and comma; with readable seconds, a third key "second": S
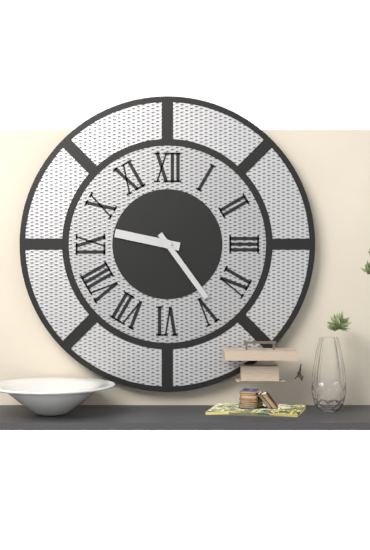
{"hour": 9, "minute": 24}
